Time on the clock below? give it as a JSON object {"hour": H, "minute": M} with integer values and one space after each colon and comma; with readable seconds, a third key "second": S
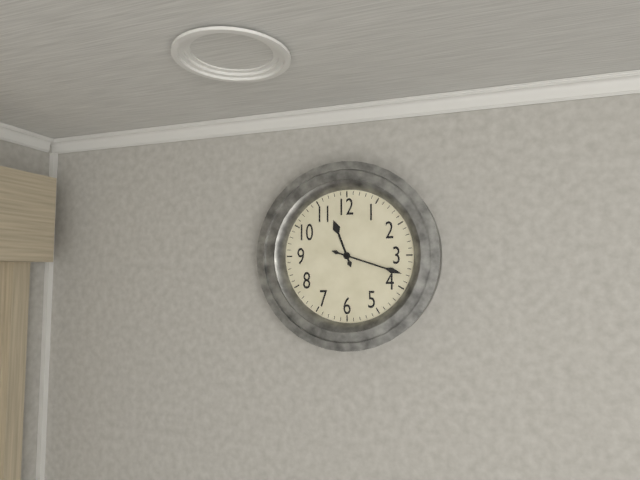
{"hour": 11, "minute": 18}
